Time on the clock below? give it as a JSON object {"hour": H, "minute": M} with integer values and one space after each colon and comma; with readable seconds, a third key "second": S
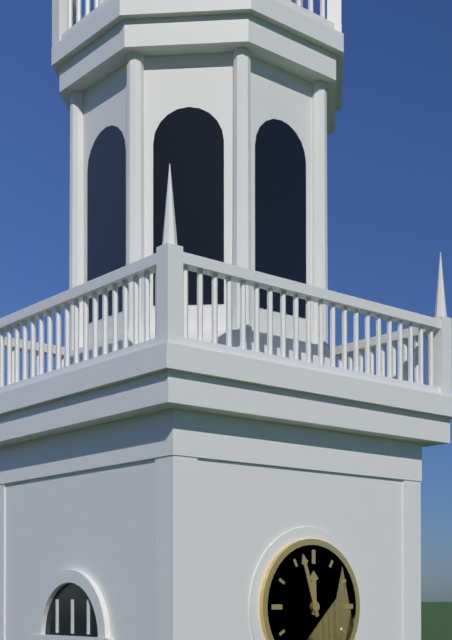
{"hour": 11, "minute": 57}
